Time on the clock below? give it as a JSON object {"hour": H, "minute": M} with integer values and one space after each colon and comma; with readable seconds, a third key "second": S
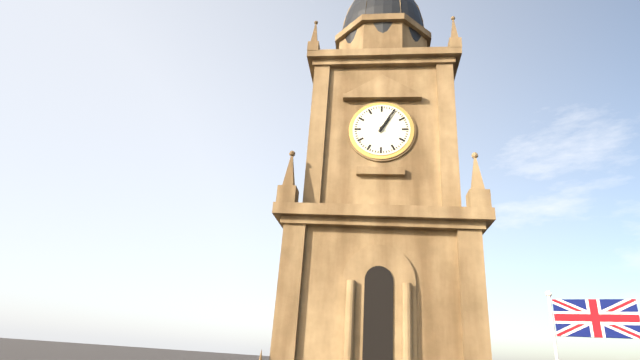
{"hour": 1, "minute": 5}
